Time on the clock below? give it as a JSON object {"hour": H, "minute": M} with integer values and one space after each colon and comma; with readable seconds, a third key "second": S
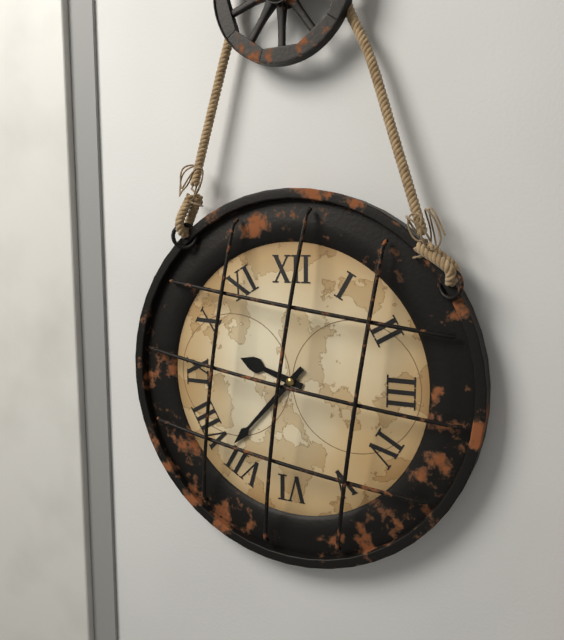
{"hour": 9, "minute": 37}
